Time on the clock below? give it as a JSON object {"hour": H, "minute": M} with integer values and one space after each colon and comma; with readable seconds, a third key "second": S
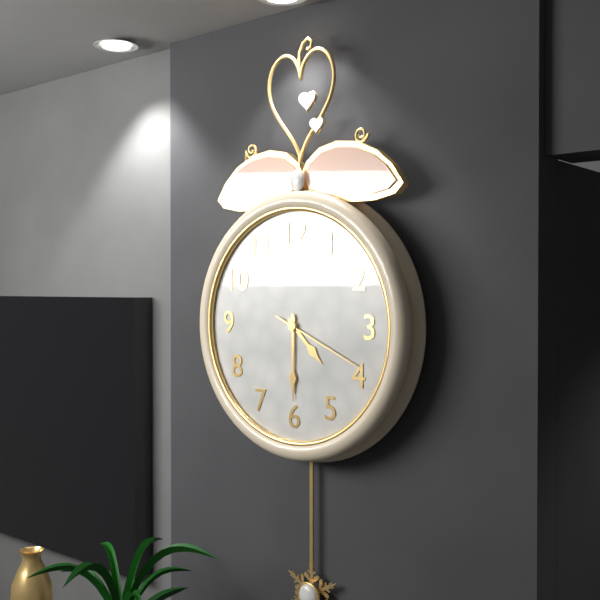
{"hour": 4, "minute": 30, "second": 19}
